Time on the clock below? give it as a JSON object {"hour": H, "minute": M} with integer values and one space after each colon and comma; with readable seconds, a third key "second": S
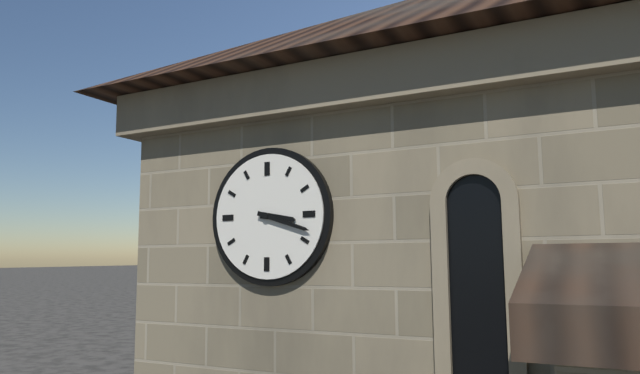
{"hour": 3, "minute": 18}
